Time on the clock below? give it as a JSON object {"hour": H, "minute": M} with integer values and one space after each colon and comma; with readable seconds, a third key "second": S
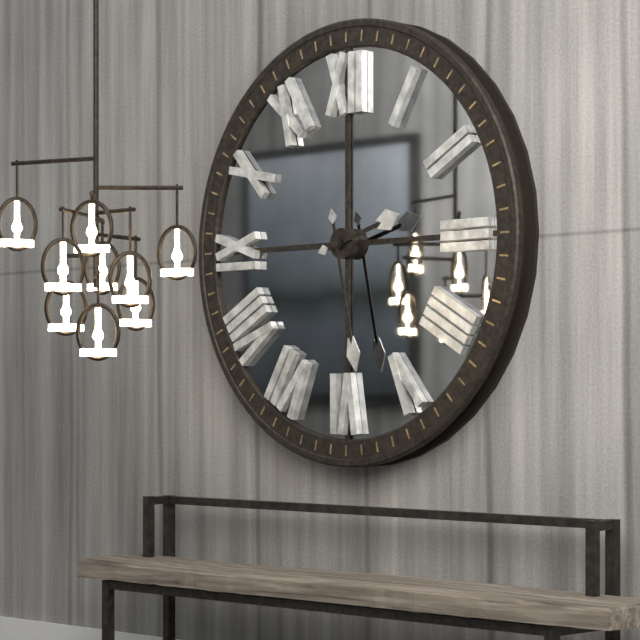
{"hour": 2, "minute": 28}
